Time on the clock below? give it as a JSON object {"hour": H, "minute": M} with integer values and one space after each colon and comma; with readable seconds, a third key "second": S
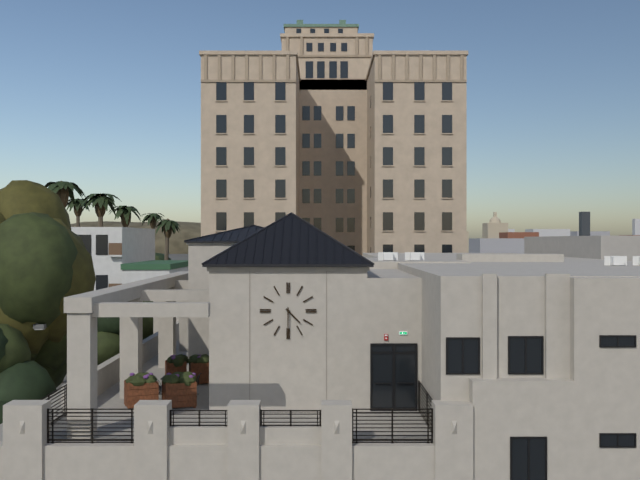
{"hour": 4, "minute": 30}
